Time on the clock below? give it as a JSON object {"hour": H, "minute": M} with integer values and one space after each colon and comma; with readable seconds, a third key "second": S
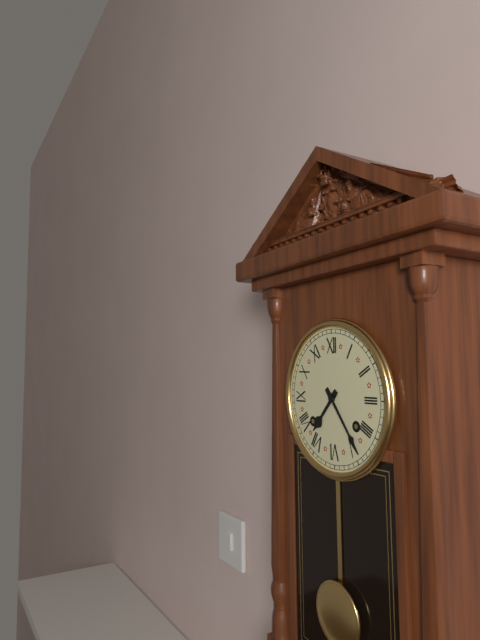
{"hour": 7, "minute": 24}
